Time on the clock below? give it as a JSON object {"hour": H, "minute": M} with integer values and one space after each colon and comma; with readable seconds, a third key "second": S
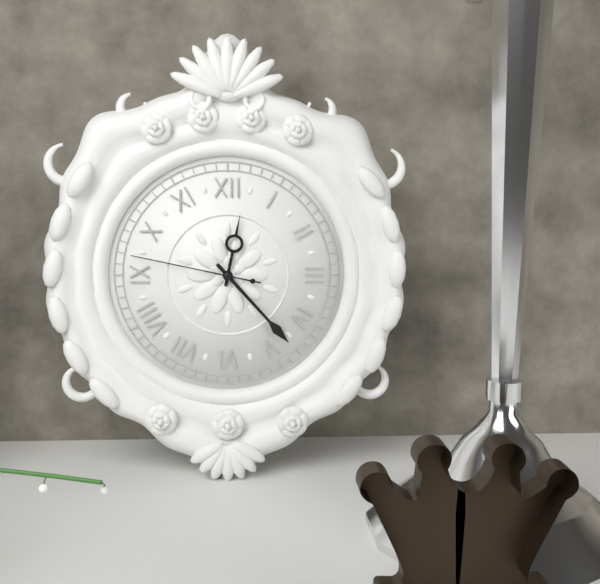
{"hour": 12, "minute": 23, "second": 47}
